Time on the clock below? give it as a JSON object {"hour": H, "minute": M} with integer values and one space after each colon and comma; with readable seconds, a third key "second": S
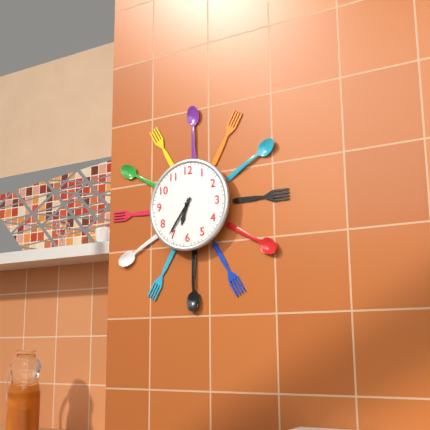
{"hour": 6, "minute": 36}
